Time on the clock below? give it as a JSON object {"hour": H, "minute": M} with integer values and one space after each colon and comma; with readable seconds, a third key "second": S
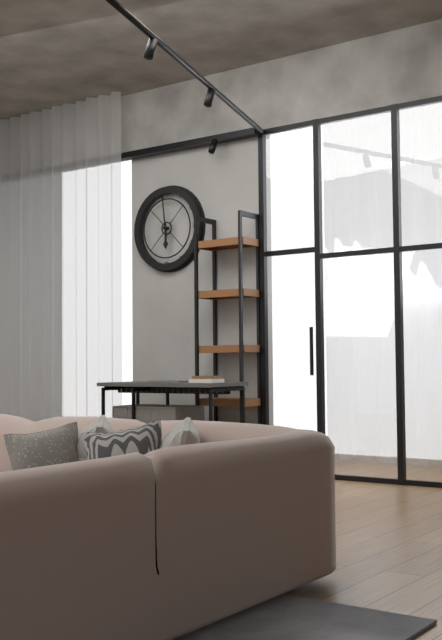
{"hour": 5, "minute": 59}
